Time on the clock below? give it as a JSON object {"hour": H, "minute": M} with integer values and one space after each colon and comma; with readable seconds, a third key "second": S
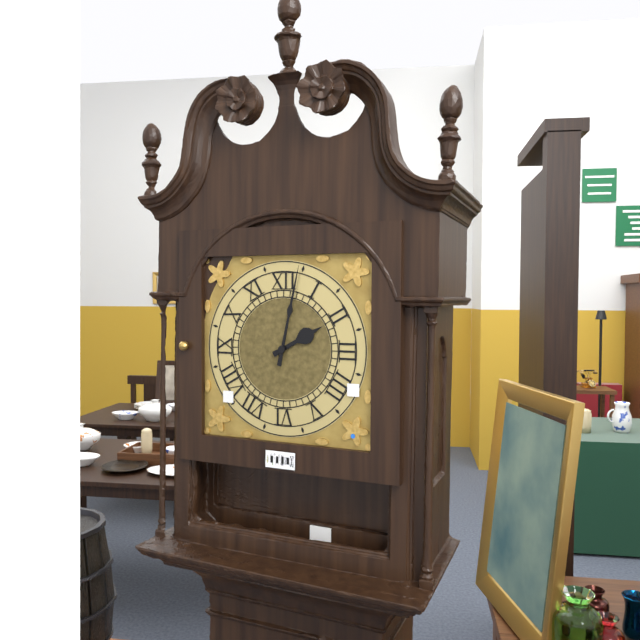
{"hour": 2, "minute": 2}
